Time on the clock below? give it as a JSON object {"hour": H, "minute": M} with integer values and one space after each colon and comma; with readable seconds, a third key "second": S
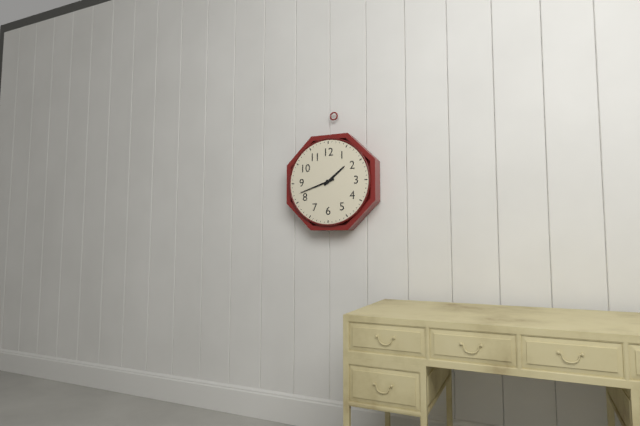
{"hour": 1, "minute": 42}
